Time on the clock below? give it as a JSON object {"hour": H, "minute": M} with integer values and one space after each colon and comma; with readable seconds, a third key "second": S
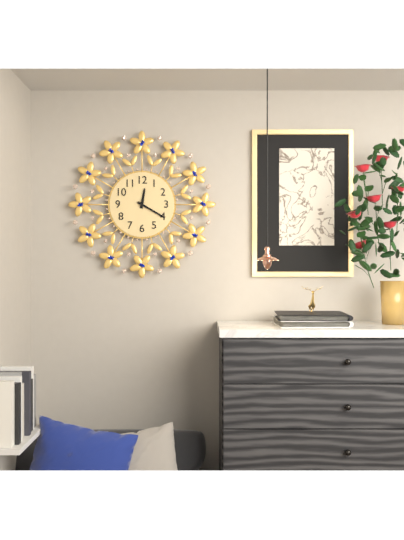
{"hour": 12, "minute": 20}
